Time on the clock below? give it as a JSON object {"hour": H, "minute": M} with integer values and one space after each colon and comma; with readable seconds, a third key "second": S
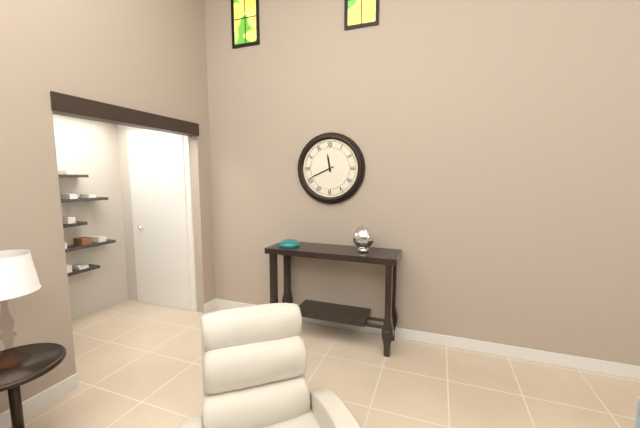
{"hour": 11, "minute": 41}
